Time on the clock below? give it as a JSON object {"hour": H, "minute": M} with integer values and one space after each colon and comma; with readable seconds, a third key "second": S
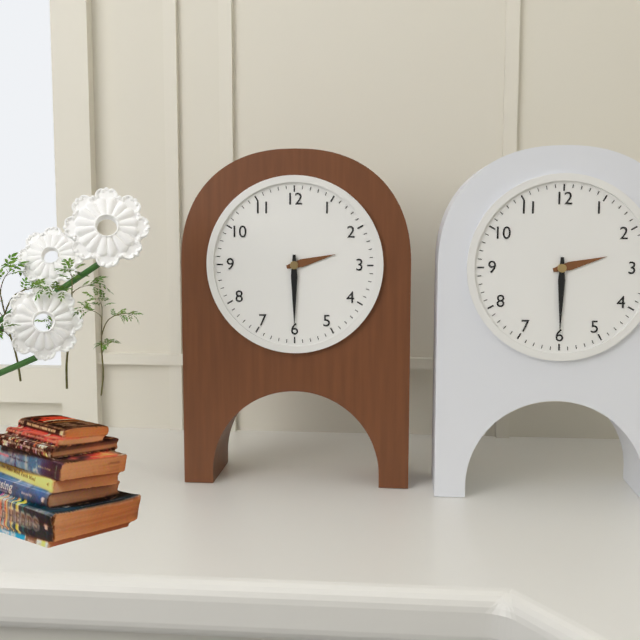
{"hour": 2, "minute": 30}
